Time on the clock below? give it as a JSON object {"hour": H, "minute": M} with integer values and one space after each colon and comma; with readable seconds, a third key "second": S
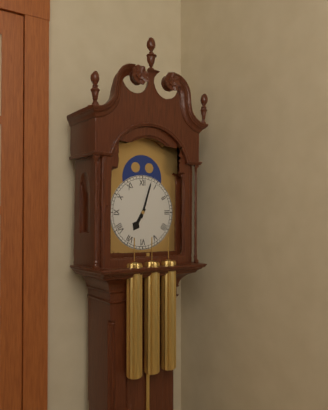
{"hour": 7, "minute": 3}
